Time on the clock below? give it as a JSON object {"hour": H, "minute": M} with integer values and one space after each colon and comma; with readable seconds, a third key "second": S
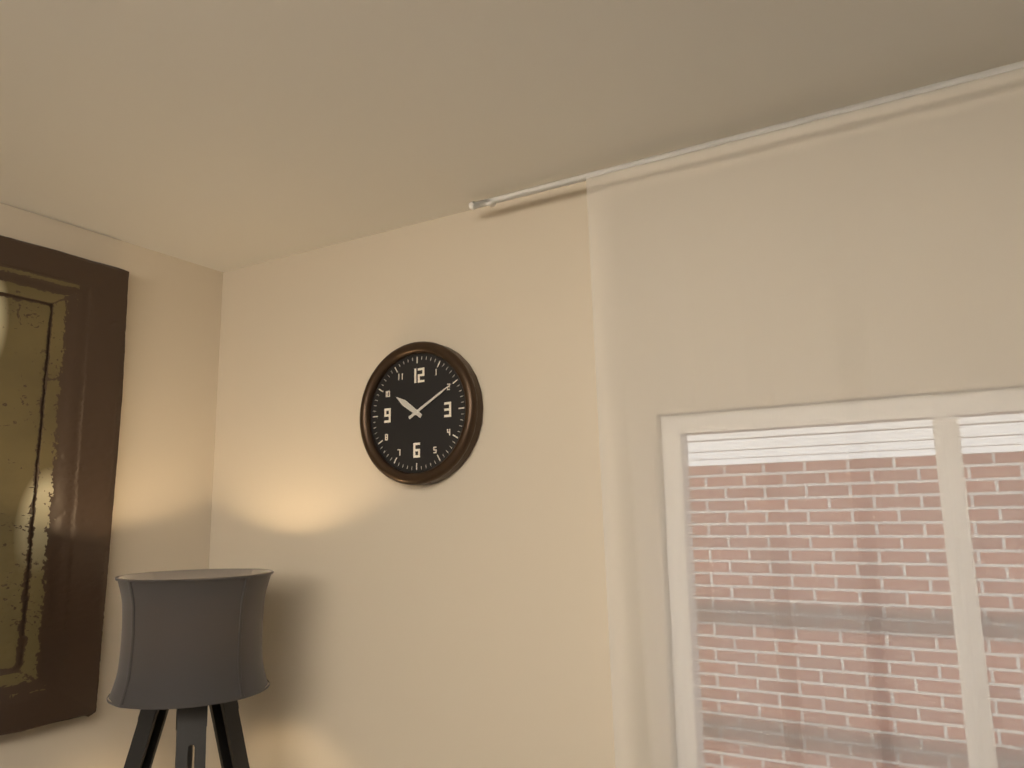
{"hour": 10, "minute": 10}
